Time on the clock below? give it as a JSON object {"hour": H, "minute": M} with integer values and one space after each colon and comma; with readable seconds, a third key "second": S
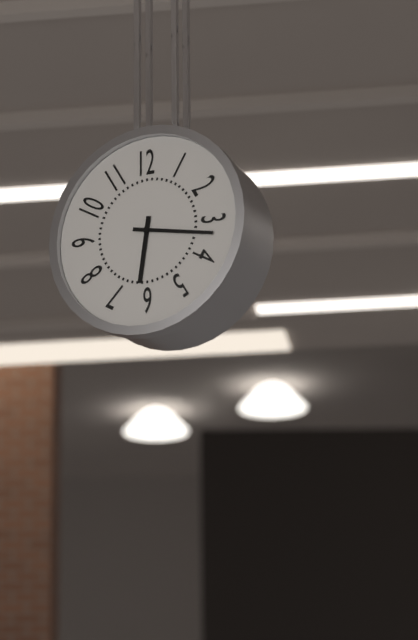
{"hour": 6, "minute": 17}
